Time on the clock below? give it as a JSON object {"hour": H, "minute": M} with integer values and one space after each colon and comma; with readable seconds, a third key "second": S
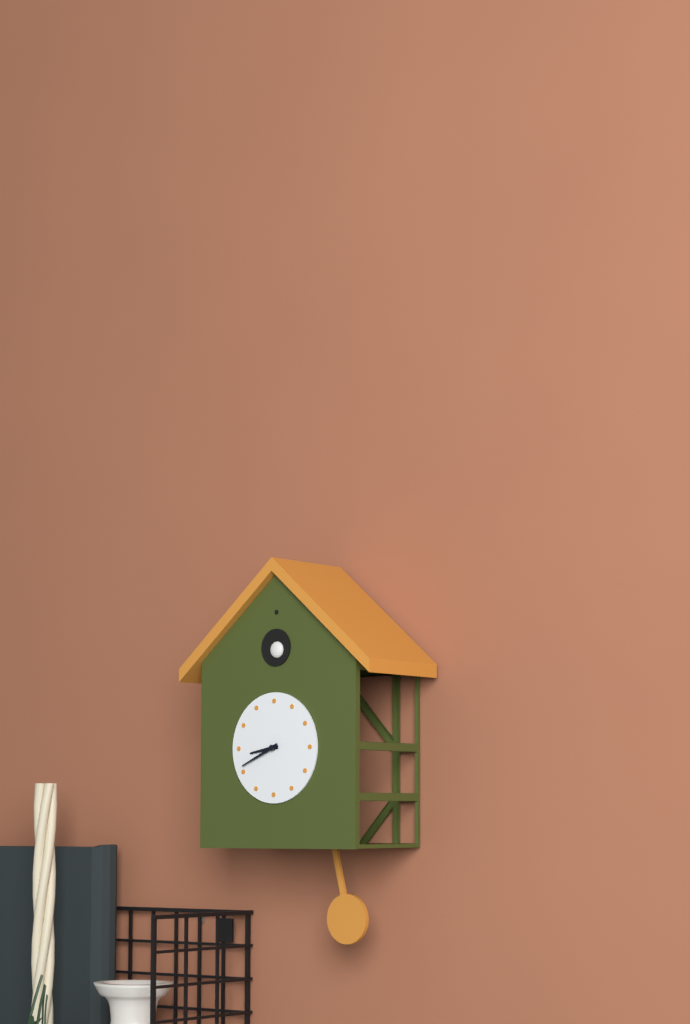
{"hour": 8, "minute": 41}
